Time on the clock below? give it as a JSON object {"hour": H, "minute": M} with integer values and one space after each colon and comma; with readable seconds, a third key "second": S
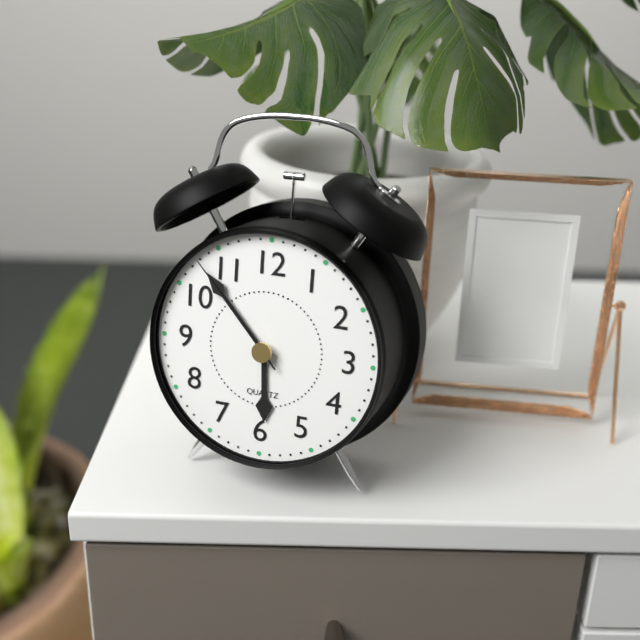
{"hour": 5, "minute": 53, "second": 53}
